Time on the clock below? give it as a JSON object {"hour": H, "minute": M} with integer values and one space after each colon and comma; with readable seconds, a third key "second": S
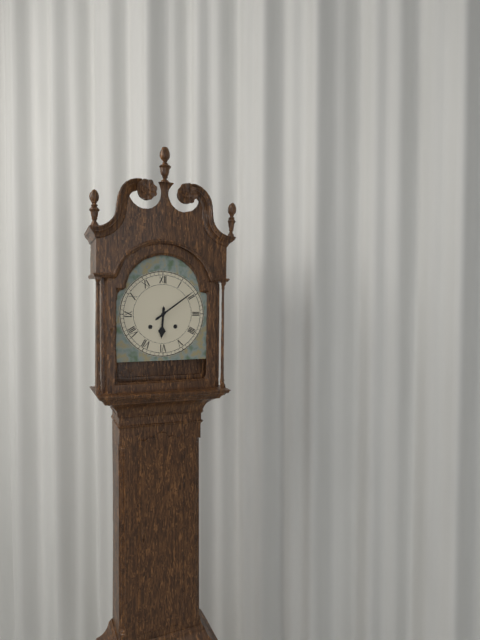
{"hour": 6, "minute": 9}
